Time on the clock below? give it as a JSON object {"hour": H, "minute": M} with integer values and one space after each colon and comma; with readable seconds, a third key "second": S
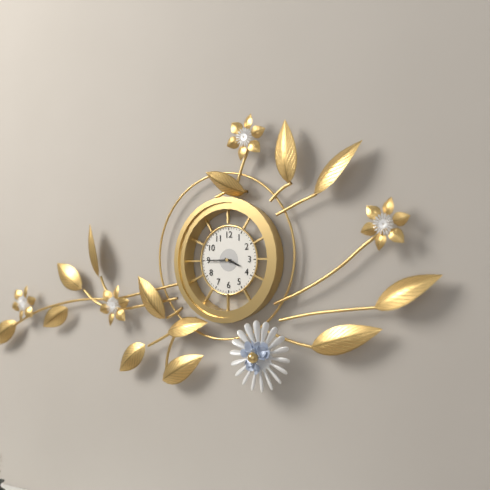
{"hour": 3, "minute": 45}
